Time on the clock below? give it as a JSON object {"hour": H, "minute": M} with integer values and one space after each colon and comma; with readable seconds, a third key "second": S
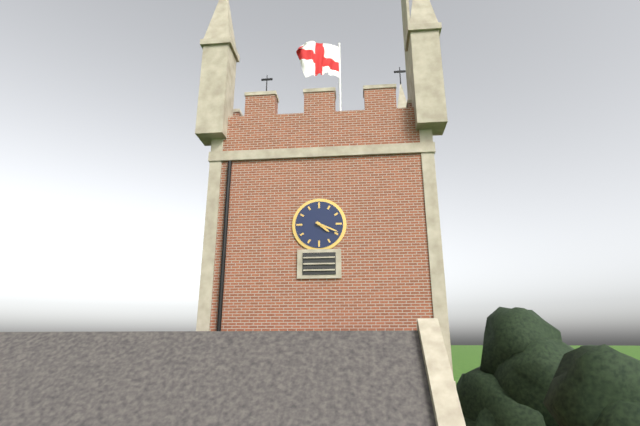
{"hour": 4, "minute": 19}
